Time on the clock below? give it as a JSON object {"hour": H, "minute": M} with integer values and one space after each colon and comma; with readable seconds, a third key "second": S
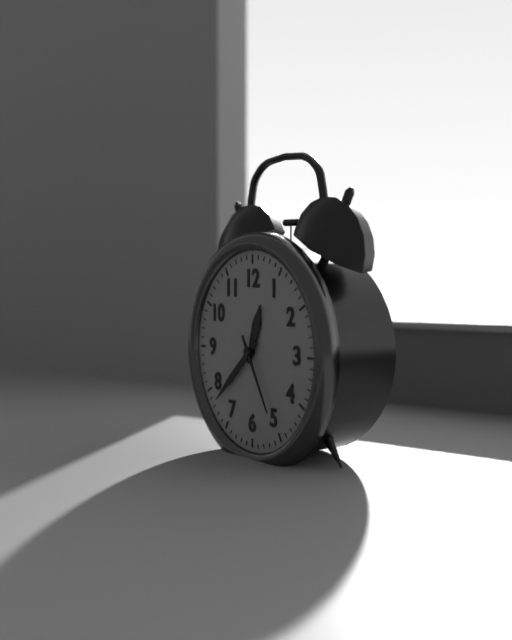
{"hour": 12, "minute": 38, "second": 25}
